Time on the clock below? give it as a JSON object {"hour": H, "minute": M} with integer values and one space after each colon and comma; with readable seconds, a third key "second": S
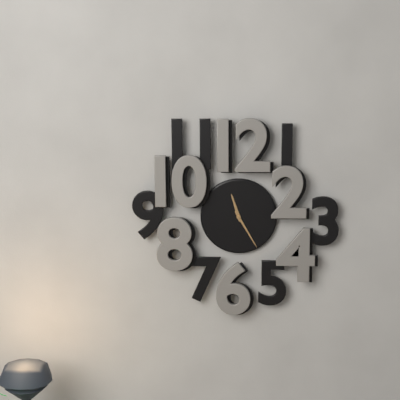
{"hour": 11, "minute": 25}
